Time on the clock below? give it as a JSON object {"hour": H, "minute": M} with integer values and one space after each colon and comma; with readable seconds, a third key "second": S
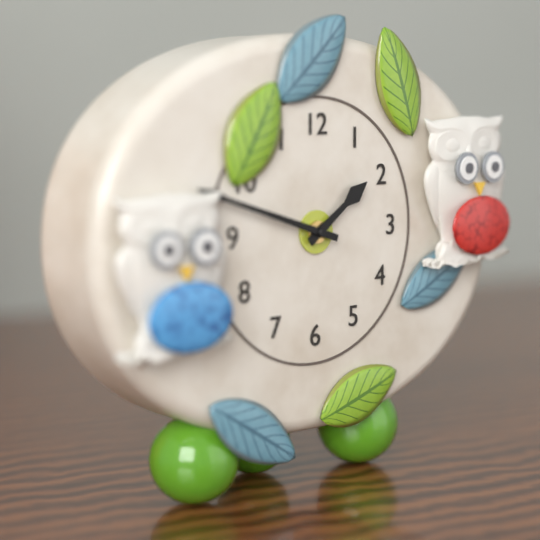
{"hour": 1, "minute": 48}
